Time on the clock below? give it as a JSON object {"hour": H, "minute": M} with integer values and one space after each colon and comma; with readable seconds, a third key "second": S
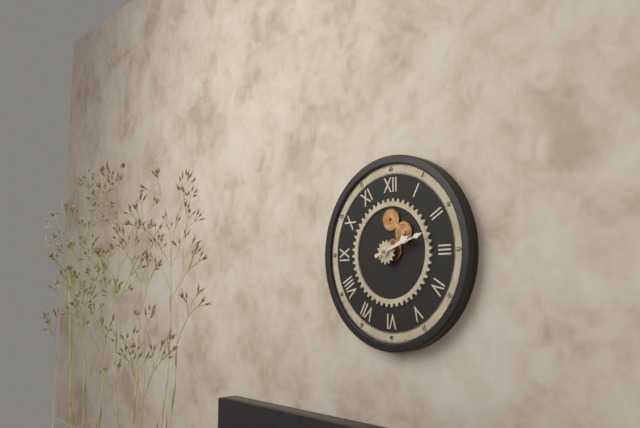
{"hour": 2, "minute": 12}
